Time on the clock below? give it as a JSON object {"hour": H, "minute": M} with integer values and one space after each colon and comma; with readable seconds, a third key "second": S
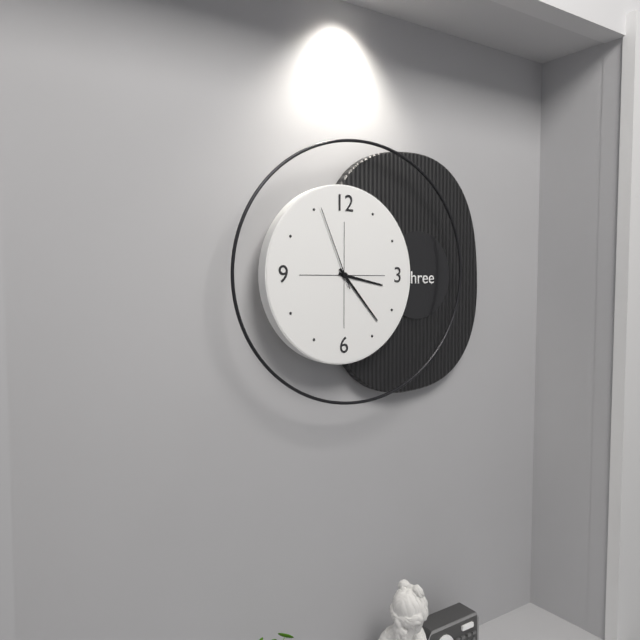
{"hour": 3, "minute": 23, "second": 56}
